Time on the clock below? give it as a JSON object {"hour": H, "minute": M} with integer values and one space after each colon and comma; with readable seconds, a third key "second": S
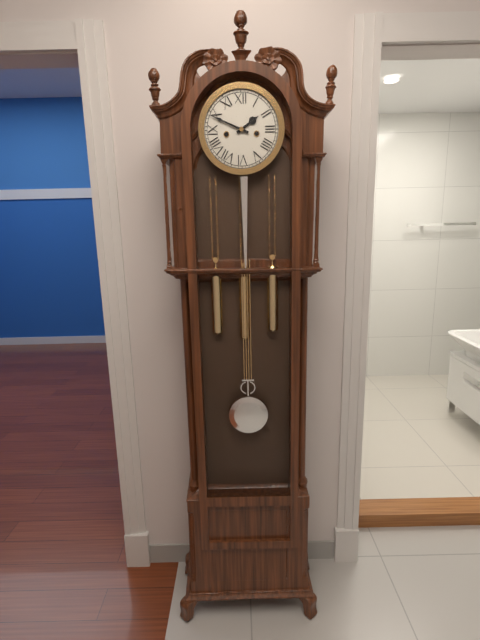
{"hour": 1, "minute": 49}
